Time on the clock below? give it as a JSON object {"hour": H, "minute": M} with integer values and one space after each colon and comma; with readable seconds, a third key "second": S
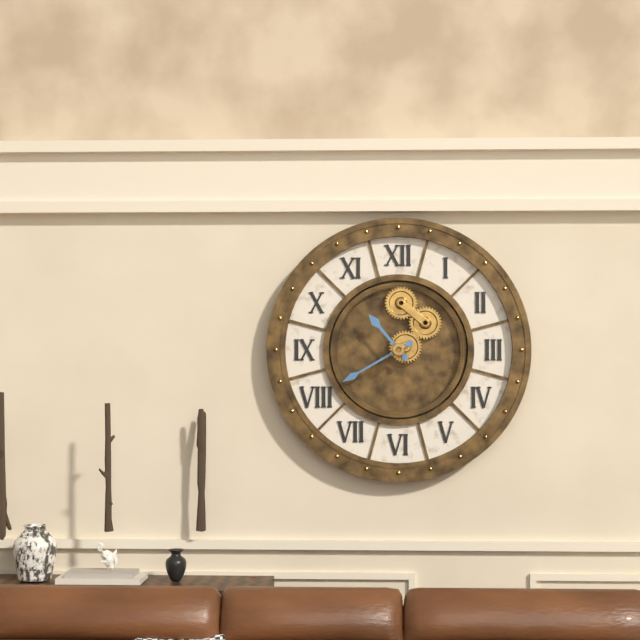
{"hour": 10, "minute": 40}
